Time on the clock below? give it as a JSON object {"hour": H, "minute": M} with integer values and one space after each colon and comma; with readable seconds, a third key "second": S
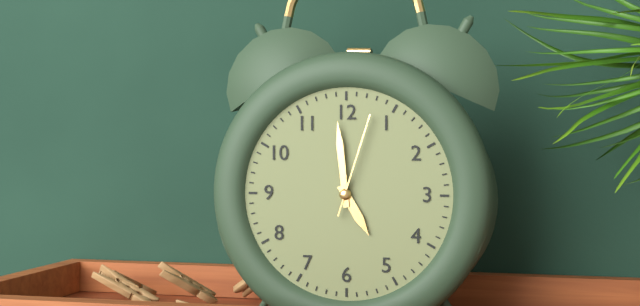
{"hour": 4, "minute": 59, "second": 3}
